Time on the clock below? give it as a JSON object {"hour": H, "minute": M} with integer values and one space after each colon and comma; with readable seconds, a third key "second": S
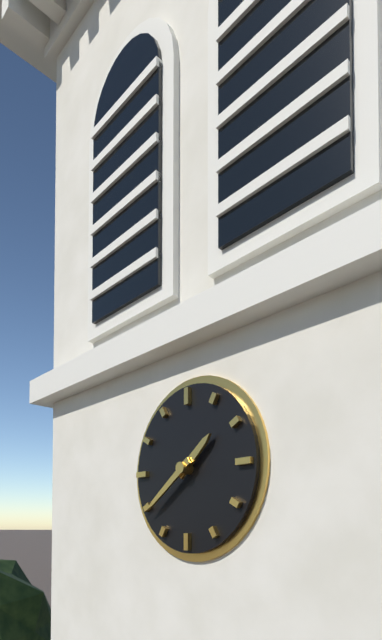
{"hour": 1, "minute": 39}
